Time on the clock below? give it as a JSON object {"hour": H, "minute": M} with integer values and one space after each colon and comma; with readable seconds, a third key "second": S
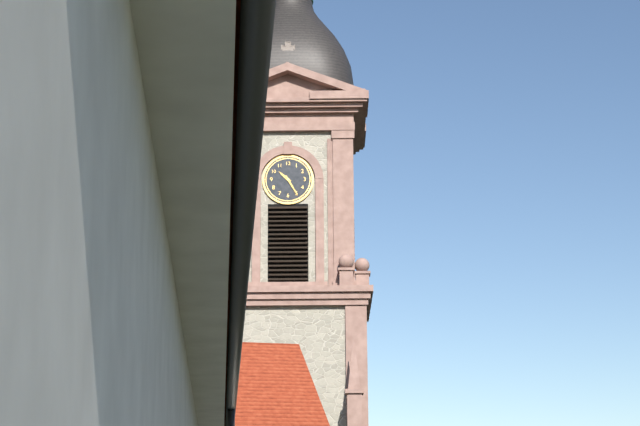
{"hour": 10, "minute": 25}
